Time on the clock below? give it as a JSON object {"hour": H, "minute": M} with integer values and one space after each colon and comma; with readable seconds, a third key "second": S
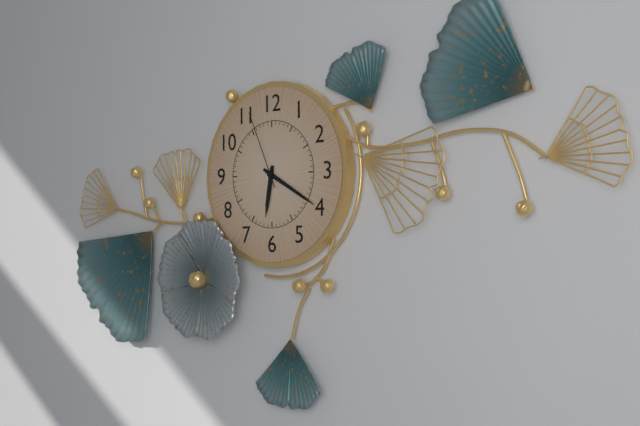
{"hour": 6, "minute": 20, "second": 56}
